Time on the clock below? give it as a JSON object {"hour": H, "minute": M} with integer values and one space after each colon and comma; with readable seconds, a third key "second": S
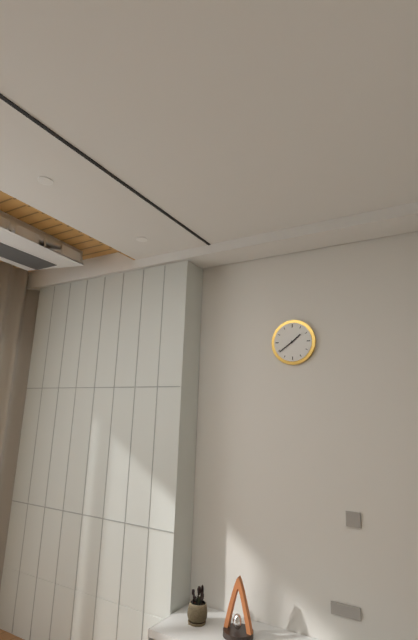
{"hour": 1, "minute": 39}
